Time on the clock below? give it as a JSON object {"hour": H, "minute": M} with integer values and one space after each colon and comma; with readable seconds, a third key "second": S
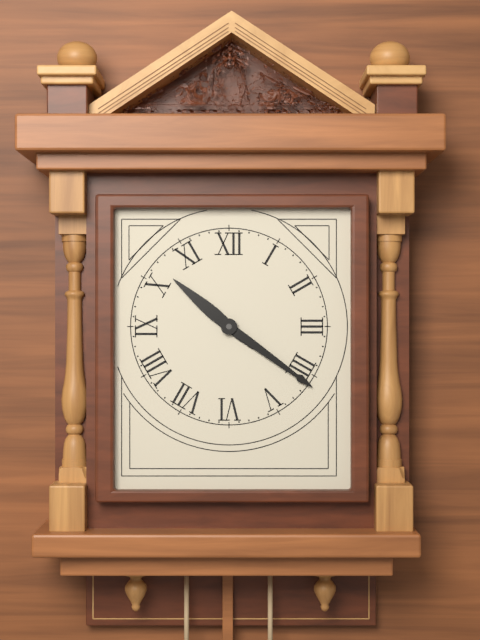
{"hour": 10, "minute": 21}
